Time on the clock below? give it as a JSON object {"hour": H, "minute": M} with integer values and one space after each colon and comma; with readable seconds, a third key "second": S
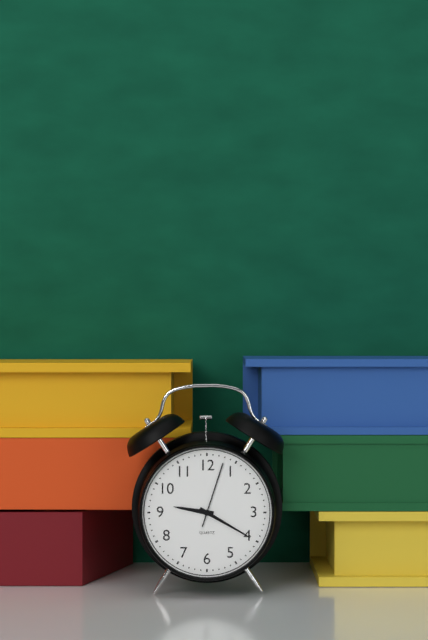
{"hour": 9, "minute": 20, "second": 3}
